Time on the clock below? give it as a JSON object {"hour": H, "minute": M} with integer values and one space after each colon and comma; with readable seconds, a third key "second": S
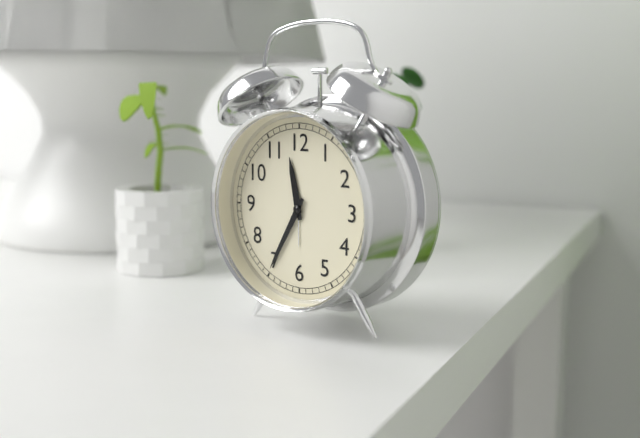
{"hour": 11, "minute": 35}
